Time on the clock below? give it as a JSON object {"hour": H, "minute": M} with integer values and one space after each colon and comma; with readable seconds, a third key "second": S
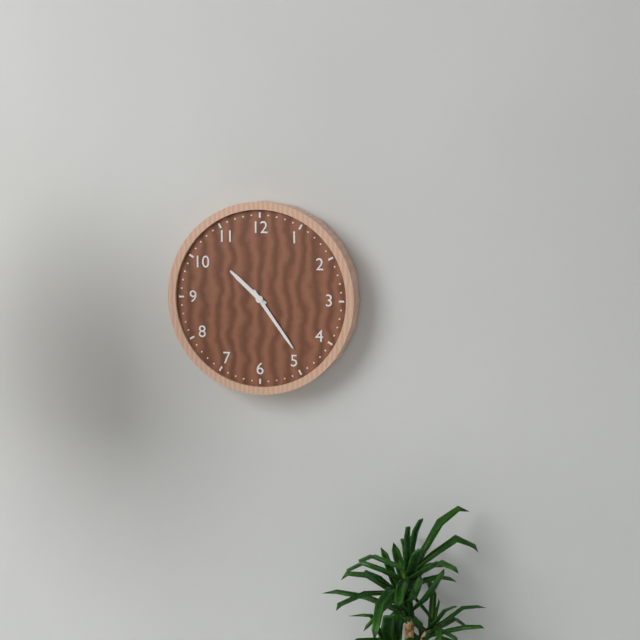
{"hour": 10, "minute": 24}
